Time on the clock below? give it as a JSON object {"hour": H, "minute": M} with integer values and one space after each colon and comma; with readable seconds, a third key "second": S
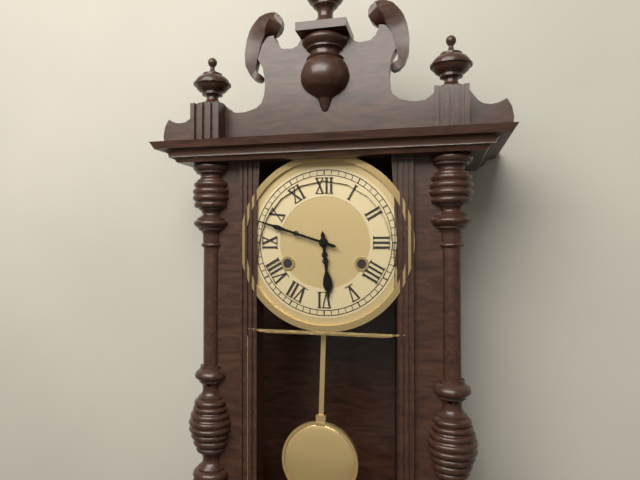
{"hour": 5, "minute": 48}
